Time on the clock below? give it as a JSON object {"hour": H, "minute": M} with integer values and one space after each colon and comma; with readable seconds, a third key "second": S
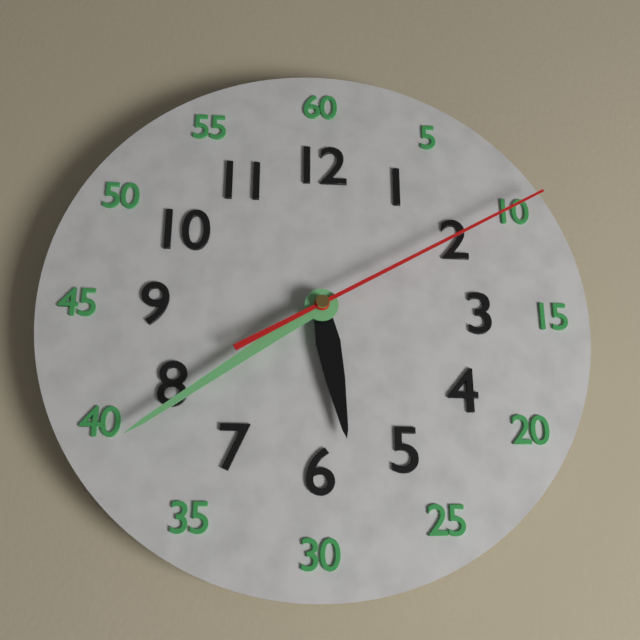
{"hour": 5, "minute": 39, "second": 10}
